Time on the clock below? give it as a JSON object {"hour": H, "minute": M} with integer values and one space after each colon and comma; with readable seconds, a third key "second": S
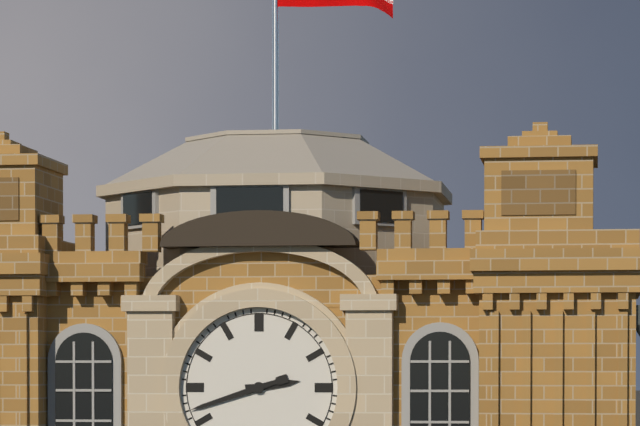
{"hour": 2, "minute": 42}
